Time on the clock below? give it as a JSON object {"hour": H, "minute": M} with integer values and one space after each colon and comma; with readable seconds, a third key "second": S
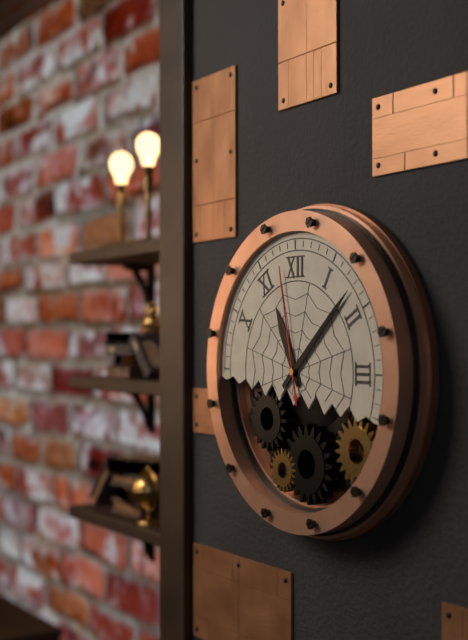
{"hour": 11, "minute": 8, "second": 58}
